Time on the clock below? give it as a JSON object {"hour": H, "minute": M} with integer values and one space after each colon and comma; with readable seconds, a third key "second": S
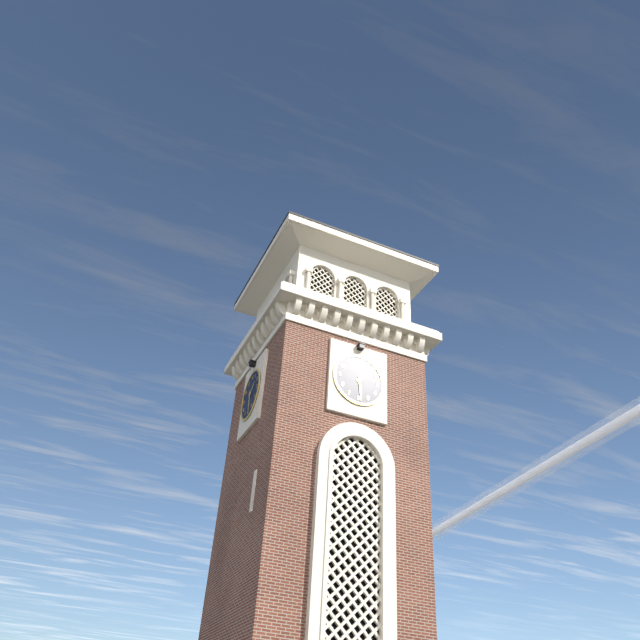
{"hour": 1, "minute": 29}
